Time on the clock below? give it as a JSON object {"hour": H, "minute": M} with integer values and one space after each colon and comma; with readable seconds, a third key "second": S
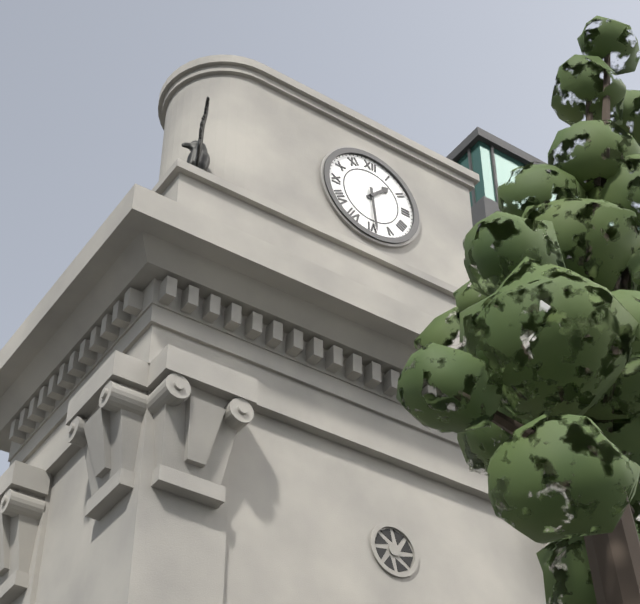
{"hour": 1, "minute": 29}
